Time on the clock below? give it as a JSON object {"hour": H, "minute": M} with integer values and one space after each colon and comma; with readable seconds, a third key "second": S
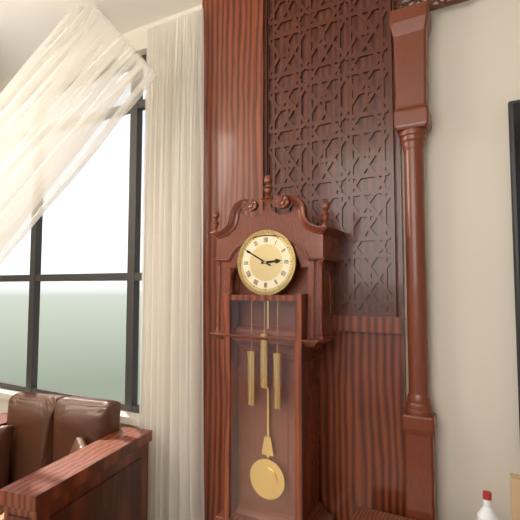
{"hour": 2, "minute": 50}
